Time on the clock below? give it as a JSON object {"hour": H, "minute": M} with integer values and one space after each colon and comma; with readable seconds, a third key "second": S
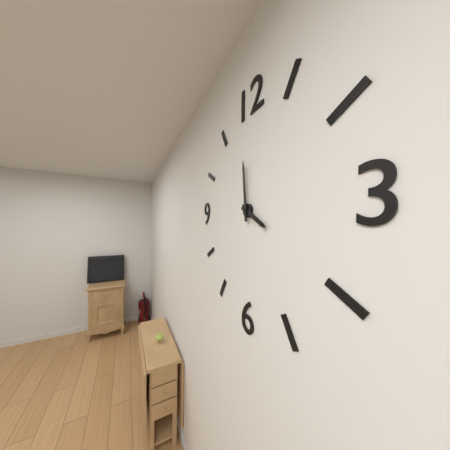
{"hour": 3, "minute": 59}
